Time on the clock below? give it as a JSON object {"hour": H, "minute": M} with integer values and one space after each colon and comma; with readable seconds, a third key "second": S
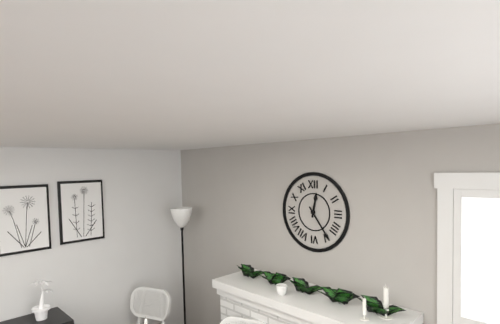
{"hour": 12, "minute": 24}
